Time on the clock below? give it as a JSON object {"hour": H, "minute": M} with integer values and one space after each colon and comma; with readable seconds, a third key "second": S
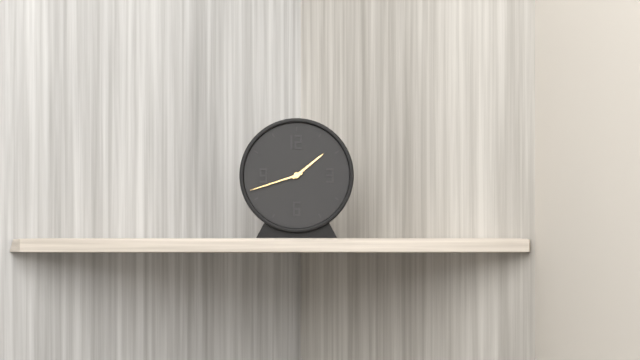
{"hour": 1, "minute": 42}
